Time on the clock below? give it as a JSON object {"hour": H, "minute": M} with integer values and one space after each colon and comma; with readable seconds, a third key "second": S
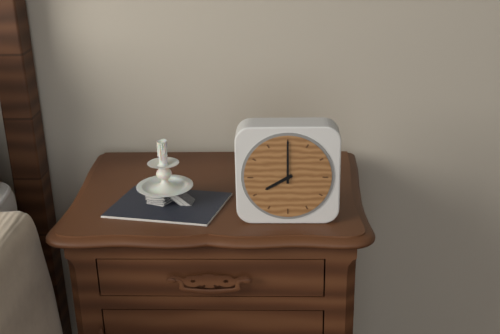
{"hour": 8, "minute": 0}
